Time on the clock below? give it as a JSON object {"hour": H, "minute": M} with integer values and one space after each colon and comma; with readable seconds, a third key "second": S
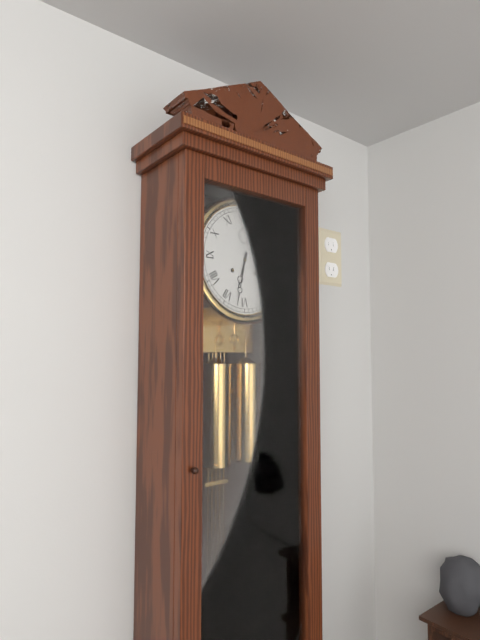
{"hour": 6, "minute": 32}
